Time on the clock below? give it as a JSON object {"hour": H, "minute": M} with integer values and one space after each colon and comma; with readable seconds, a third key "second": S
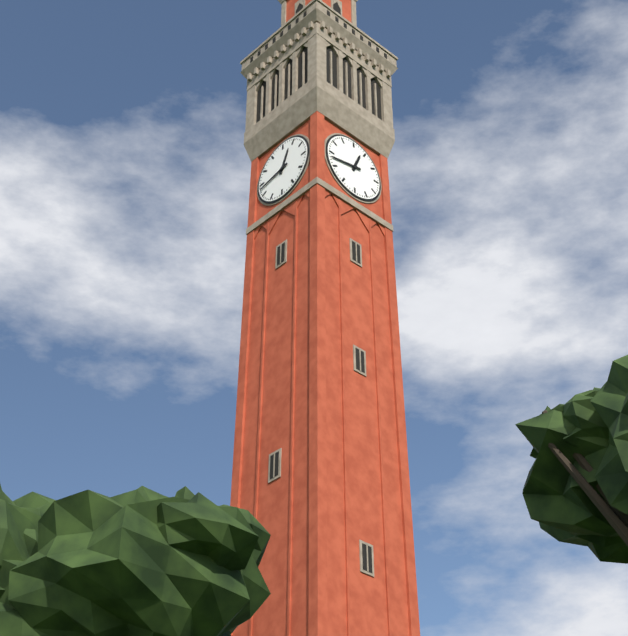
{"hour": 12, "minute": 43}
